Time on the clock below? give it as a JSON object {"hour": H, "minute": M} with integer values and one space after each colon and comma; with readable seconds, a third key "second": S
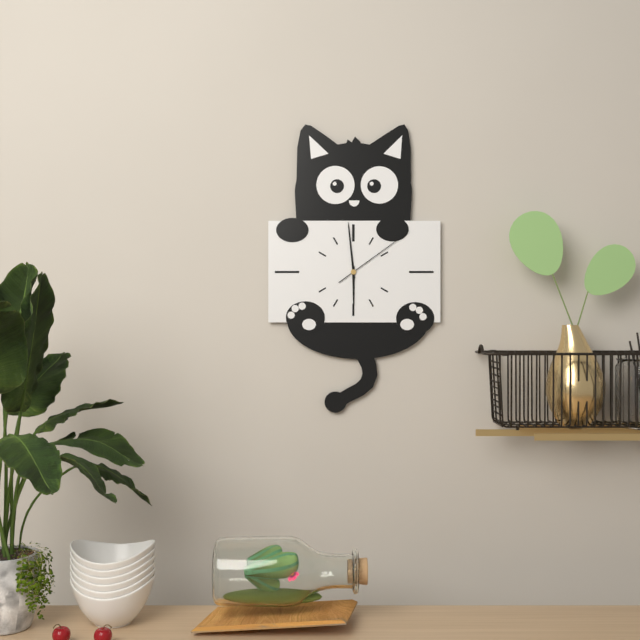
{"hour": 5, "minute": 59, "second": 9}
